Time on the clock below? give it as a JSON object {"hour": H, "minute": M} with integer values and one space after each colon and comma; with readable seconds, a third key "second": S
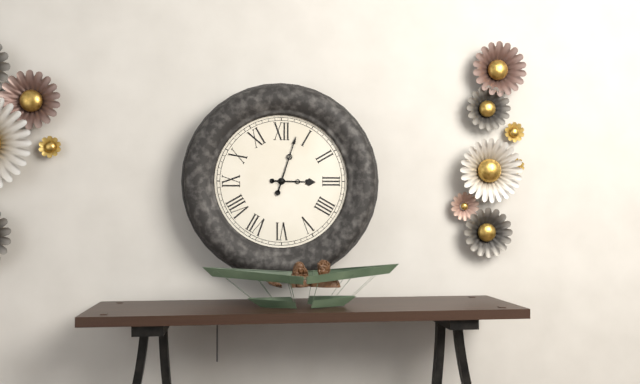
{"hour": 3, "minute": 3}
